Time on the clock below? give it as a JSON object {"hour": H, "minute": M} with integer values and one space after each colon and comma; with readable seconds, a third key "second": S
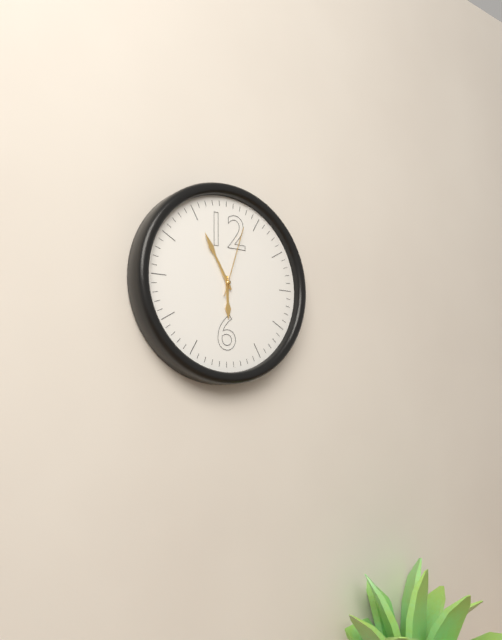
{"hour": 5, "minute": 55, "second": 3}
